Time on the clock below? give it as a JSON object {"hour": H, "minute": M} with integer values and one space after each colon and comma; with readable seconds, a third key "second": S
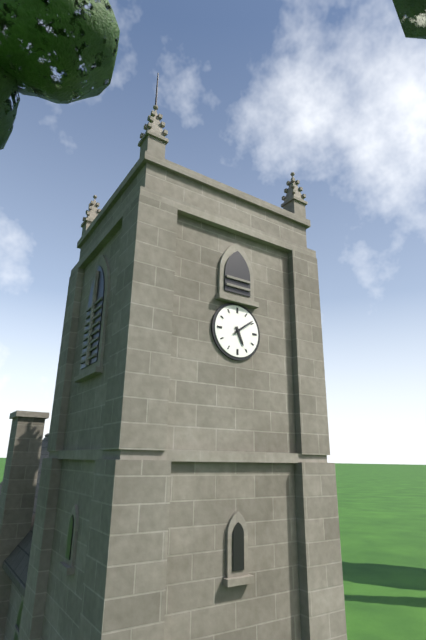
{"hour": 5, "minute": 9}
